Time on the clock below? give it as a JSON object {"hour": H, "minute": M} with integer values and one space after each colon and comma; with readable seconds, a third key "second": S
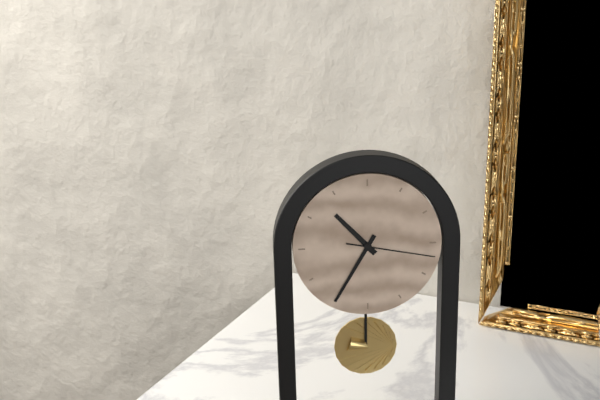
{"hour": 10, "minute": 35, "second": 17}
